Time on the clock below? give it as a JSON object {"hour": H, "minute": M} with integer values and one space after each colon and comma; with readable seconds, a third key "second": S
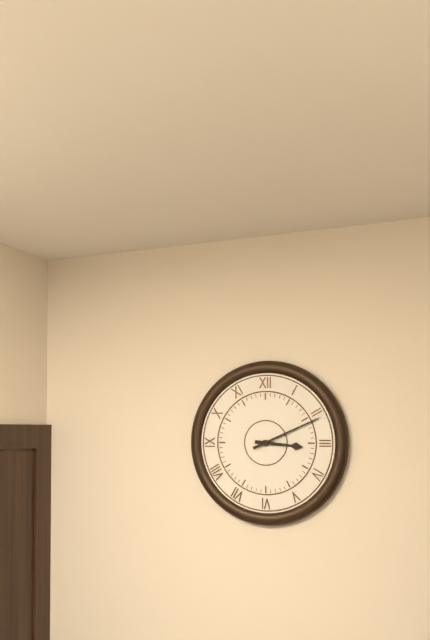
{"hour": 3, "minute": 11}
